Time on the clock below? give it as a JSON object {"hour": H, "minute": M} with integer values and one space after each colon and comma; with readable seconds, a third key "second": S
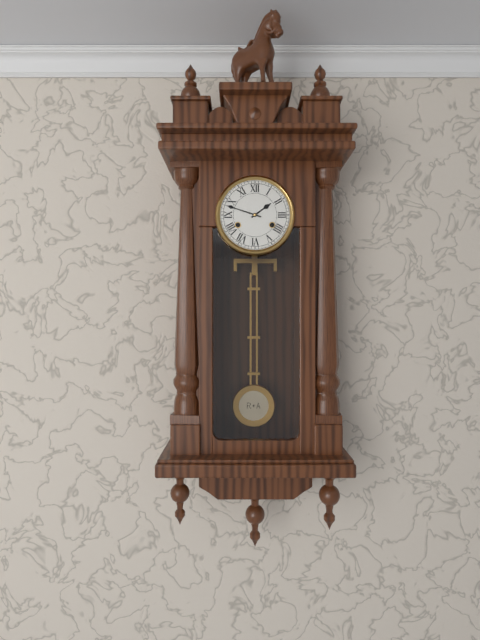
{"hour": 1, "minute": 48}
